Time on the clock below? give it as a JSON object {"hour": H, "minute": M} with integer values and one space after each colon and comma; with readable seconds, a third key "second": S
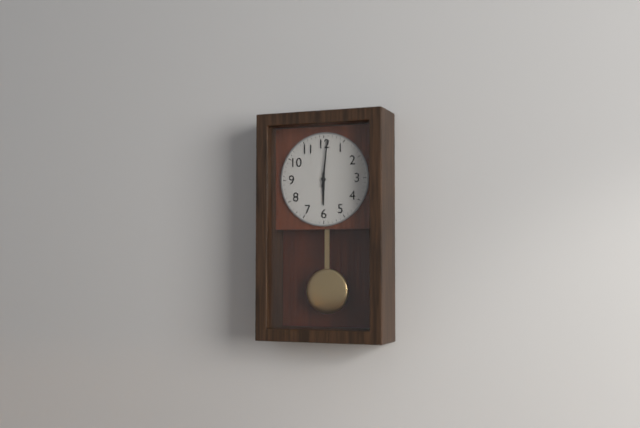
{"hour": 6, "minute": 1}
